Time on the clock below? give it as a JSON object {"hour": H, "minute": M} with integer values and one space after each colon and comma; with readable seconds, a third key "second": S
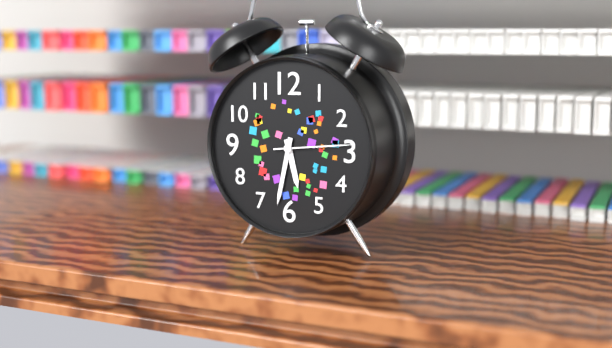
{"hour": 5, "minute": 32, "second": 14}
